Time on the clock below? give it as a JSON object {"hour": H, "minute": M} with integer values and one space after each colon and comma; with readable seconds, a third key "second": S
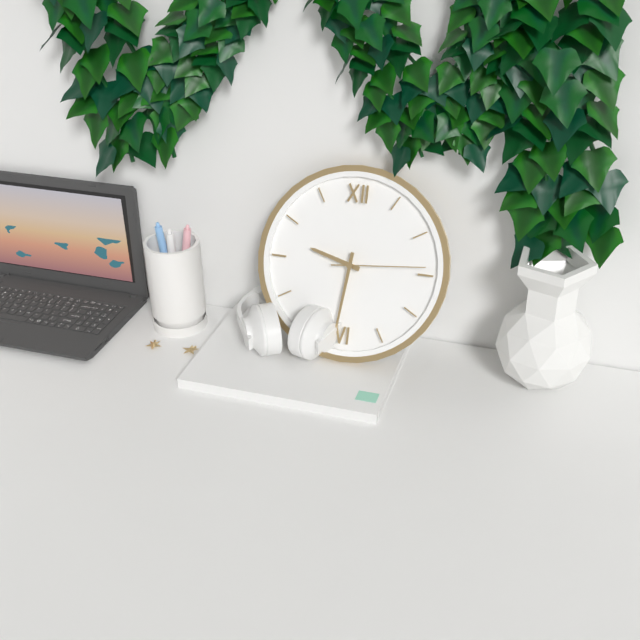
{"hour": 9, "minute": 31, "second": 14}
